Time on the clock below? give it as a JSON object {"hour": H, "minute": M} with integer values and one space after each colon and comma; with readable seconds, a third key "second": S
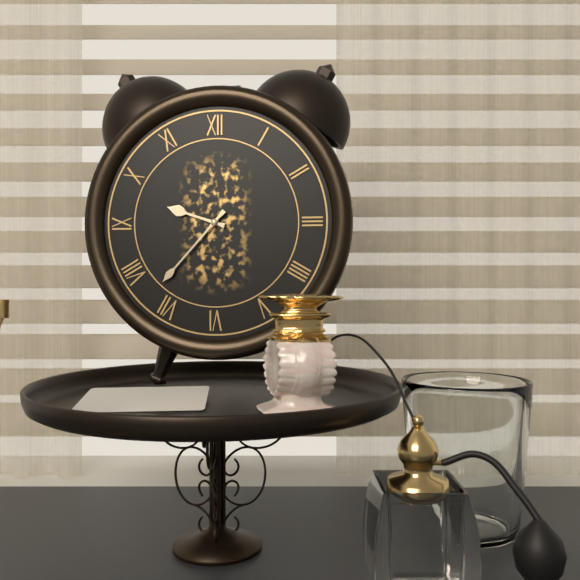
{"hour": 9, "minute": 37}
